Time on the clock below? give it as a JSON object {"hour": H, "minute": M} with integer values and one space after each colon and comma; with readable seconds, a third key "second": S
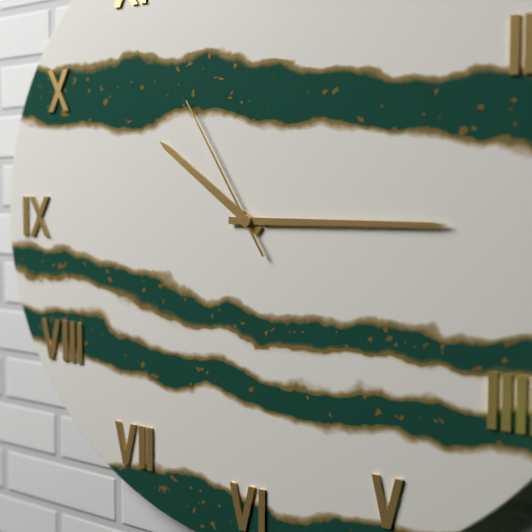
{"hour": 10, "minute": 15, "second": 55}
